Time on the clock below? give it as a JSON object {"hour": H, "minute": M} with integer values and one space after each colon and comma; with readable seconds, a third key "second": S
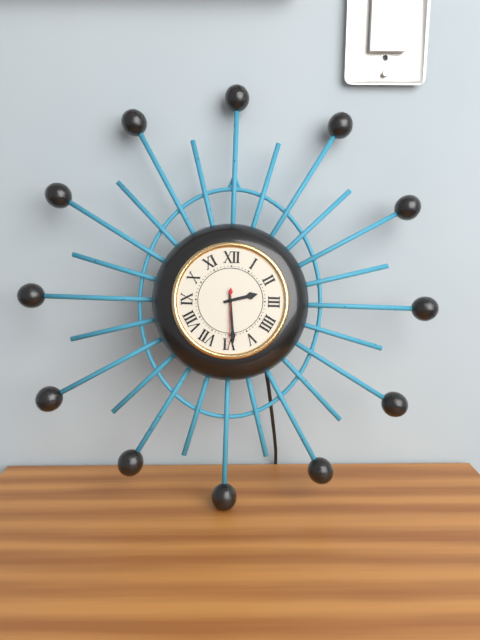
{"hour": 2, "minute": 29, "second": 30}
